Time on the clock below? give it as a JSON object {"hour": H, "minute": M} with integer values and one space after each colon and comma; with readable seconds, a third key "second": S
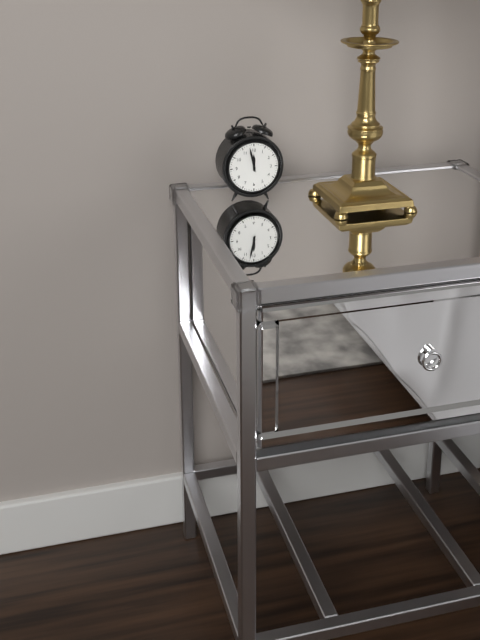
{"hour": 11, "minute": 58}
